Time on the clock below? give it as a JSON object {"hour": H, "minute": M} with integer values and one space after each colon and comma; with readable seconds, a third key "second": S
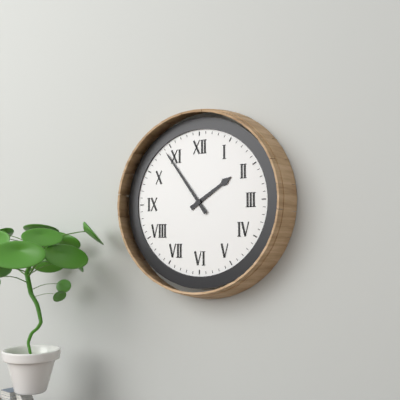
{"hour": 1, "minute": 54}
